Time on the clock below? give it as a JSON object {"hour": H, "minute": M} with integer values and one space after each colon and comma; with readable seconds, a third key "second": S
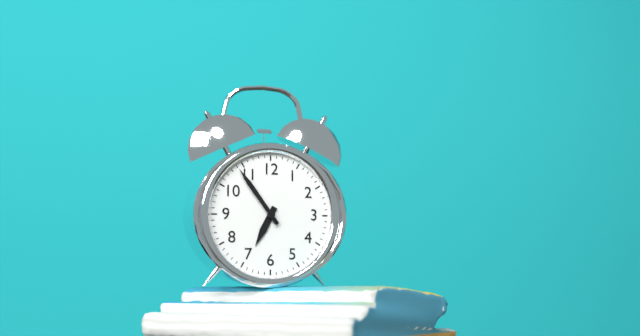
{"hour": 6, "minute": 54}
